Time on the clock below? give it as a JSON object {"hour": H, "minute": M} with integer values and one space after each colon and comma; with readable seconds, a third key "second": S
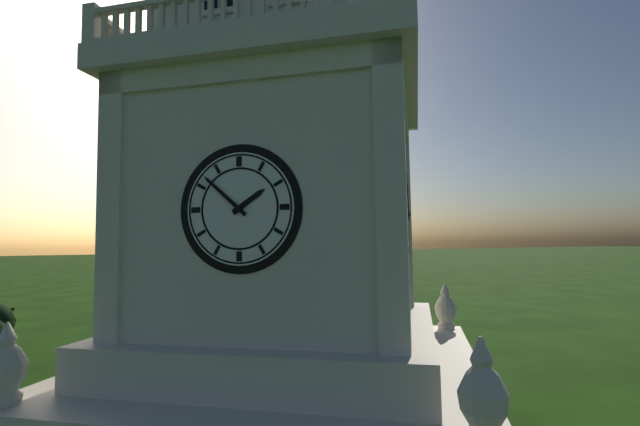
{"hour": 1, "minute": 52}
